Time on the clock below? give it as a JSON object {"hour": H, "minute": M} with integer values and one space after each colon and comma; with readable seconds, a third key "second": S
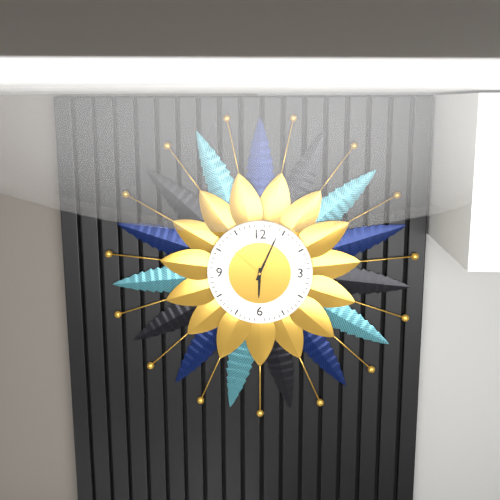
{"hour": 6, "minute": 4, "second": 52}
